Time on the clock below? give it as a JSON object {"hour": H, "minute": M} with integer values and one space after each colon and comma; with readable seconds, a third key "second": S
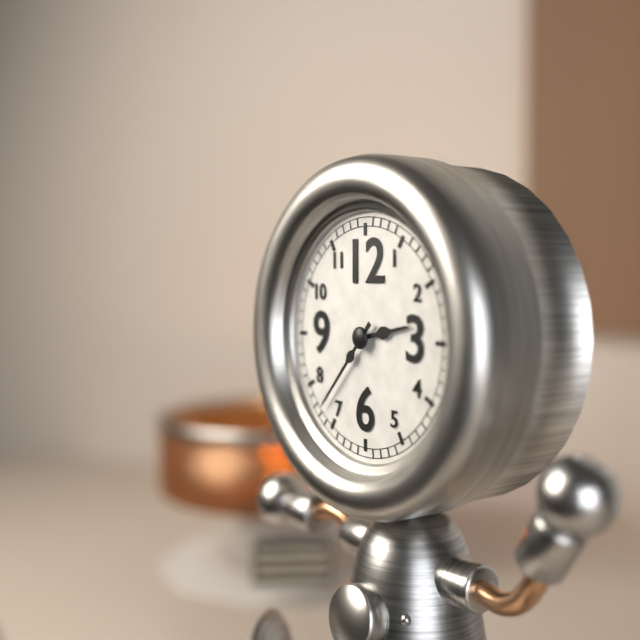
{"hour": 2, "minute": 37}
